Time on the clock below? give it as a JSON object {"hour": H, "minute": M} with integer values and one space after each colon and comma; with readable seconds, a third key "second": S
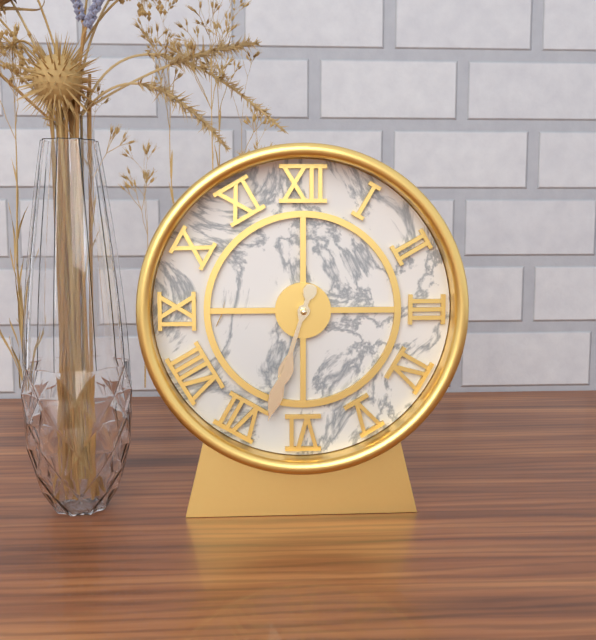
{"hour": 6, "minute": 33}
